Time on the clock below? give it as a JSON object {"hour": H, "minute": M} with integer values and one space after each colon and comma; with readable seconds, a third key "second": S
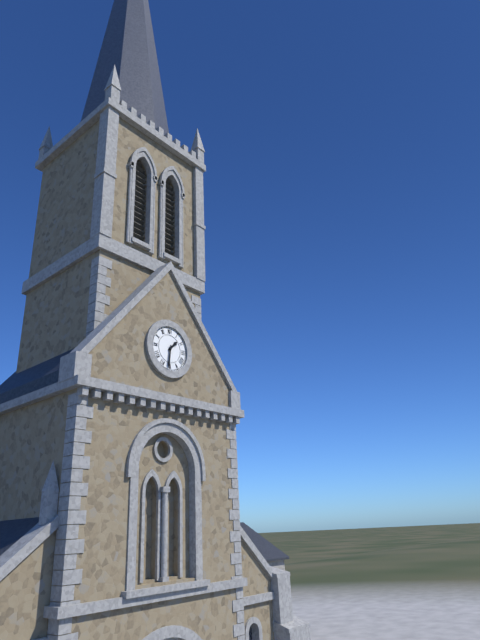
{"hour": 1, "minute": 31}
